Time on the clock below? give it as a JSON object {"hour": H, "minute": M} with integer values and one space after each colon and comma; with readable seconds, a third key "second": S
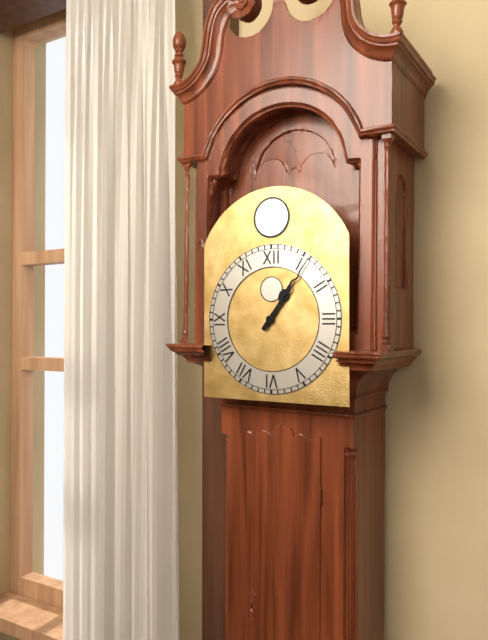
{"hour": 1, "minute": 6}
